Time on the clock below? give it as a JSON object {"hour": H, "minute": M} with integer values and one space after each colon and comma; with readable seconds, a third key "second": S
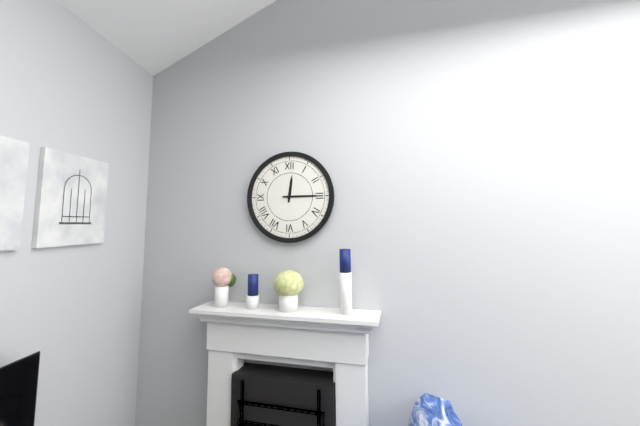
{"hour": 12, "minute": 15}
